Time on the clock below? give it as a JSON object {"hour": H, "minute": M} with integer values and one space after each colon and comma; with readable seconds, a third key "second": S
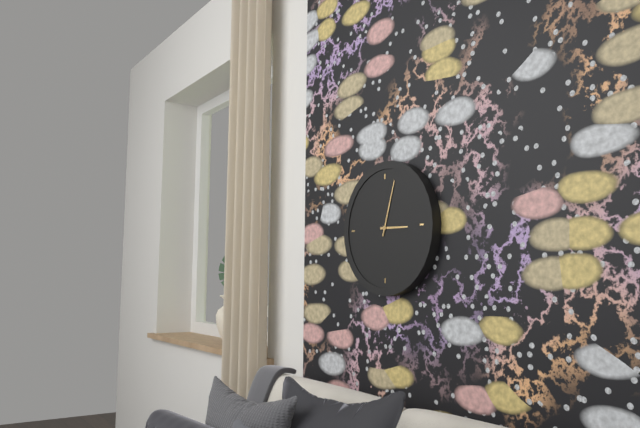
{"hour": 3, "minute": 3}
